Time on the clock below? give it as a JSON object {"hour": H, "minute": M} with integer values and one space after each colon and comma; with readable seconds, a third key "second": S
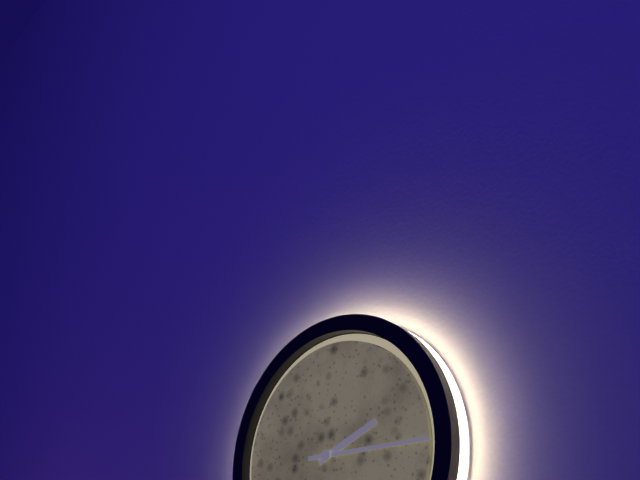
{"hour": 2, "minute": 15}
